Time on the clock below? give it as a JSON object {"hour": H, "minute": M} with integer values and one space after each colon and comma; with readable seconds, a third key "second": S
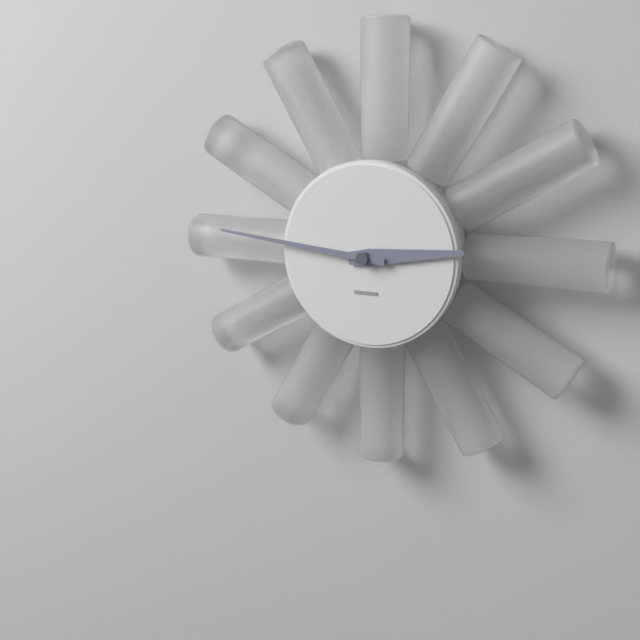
{"hour": 2, "minute": 46}
